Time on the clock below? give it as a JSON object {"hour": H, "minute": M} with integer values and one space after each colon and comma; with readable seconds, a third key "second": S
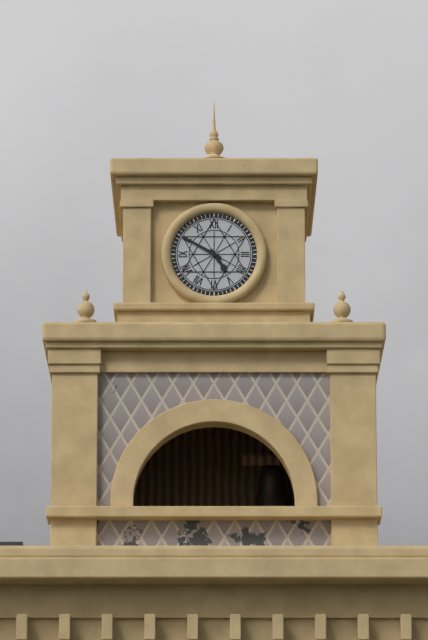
{"hour": 4, "minute": 50}
